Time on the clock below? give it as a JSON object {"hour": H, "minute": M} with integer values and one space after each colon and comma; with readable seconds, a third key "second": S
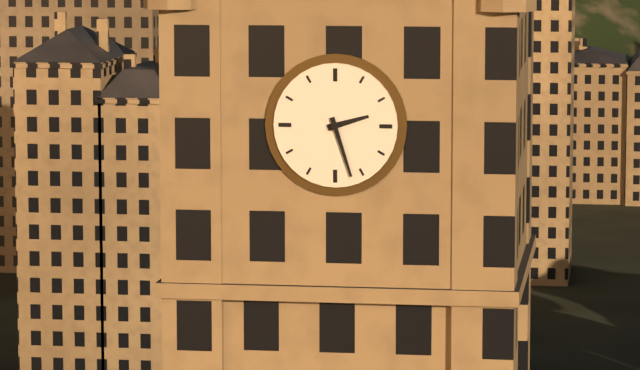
{"hour": 2, "minute": 27}
